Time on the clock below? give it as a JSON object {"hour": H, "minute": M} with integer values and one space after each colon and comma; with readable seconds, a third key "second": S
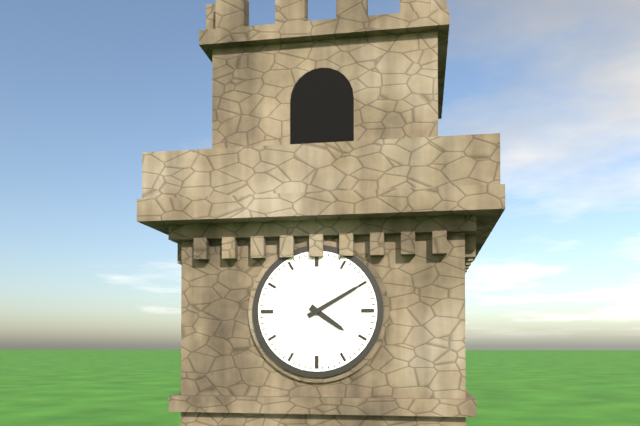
{"hour": 4, "minute": 10}
